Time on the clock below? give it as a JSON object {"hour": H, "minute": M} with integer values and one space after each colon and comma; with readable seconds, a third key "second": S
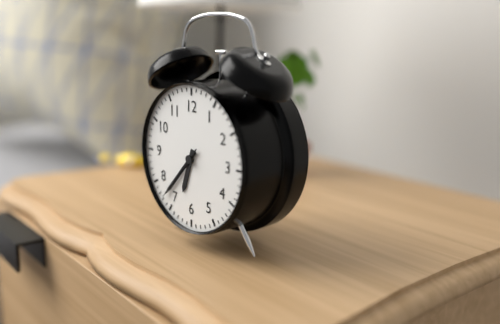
{"hour": 6, "minute": 37, "second": 37}
